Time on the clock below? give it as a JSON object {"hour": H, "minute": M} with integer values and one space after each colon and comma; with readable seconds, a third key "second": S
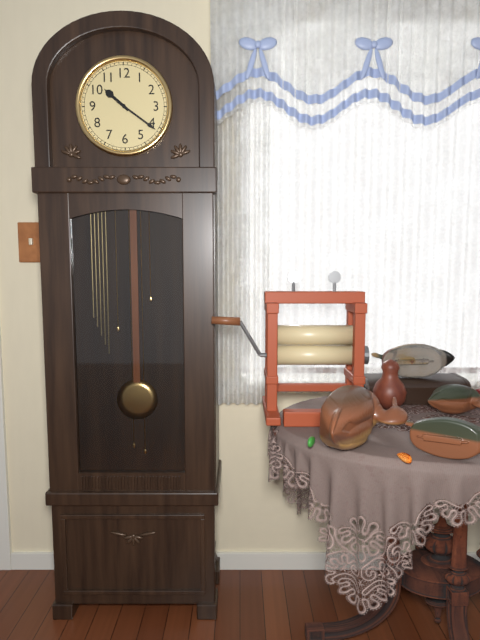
{"hour": 10, "minute": 21}
